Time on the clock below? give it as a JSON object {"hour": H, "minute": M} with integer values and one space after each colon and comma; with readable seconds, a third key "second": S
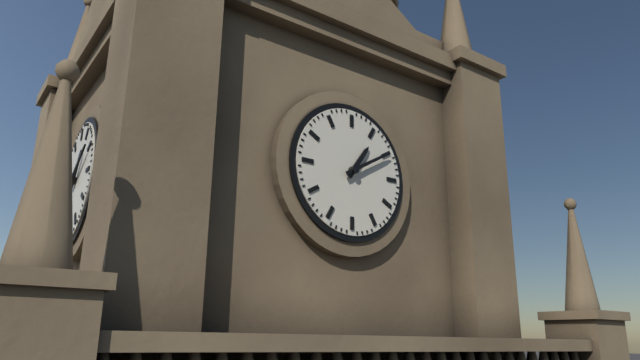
{"hour": 1, "minute": 10}
